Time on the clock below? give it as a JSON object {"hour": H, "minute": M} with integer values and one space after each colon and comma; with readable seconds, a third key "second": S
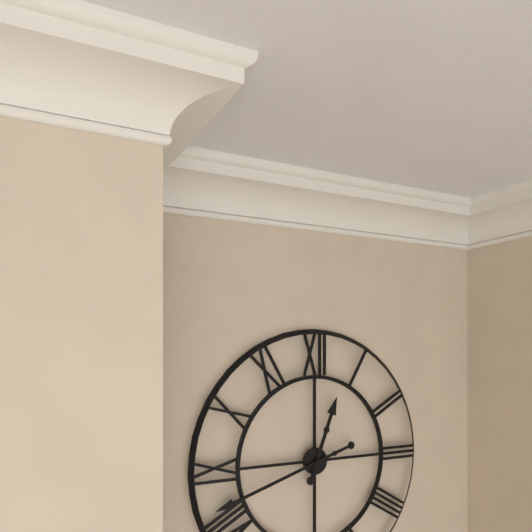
{"hour": 12, "minute": 42}
